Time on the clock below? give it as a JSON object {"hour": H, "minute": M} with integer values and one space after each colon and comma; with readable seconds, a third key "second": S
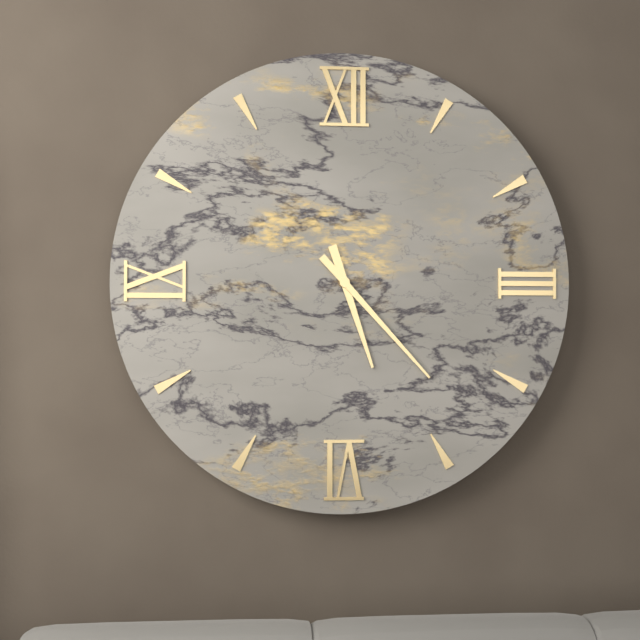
{"hour": 5, "minute": 23}
